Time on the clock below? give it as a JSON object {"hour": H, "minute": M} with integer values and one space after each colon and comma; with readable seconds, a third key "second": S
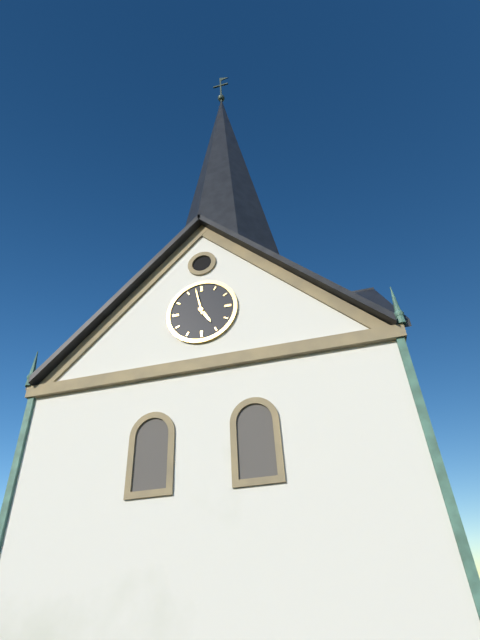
{"hour": 4, "minute": 58}
